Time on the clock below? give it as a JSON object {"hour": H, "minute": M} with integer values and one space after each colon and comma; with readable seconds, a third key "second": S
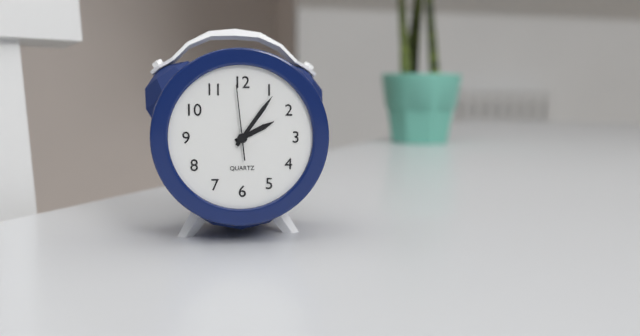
{"hour": 2, "minute": 6, "second": 59}
